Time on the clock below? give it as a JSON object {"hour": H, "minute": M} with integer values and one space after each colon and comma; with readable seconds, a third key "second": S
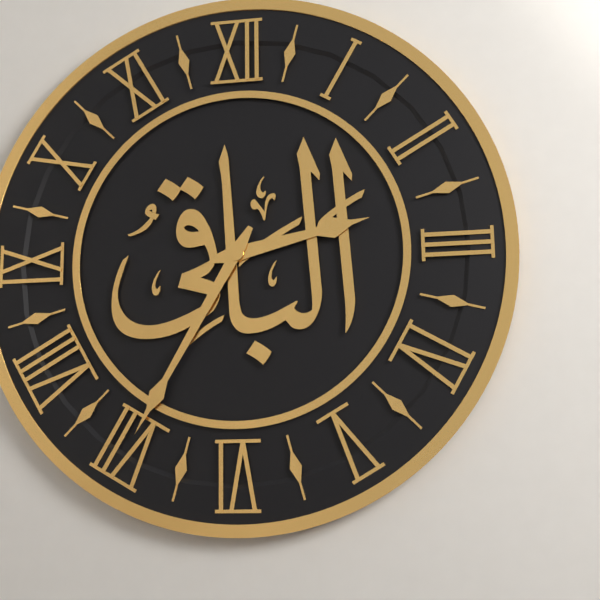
{"hour": 2, "minute": 35}
